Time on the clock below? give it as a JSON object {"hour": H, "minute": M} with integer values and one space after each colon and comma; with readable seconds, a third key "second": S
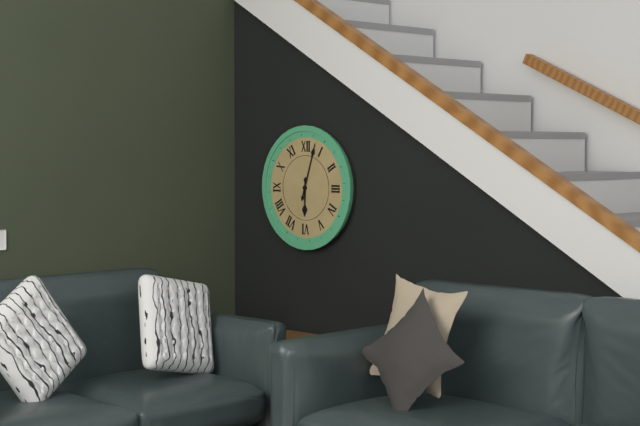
{"hour": 6, "minute": 3}
